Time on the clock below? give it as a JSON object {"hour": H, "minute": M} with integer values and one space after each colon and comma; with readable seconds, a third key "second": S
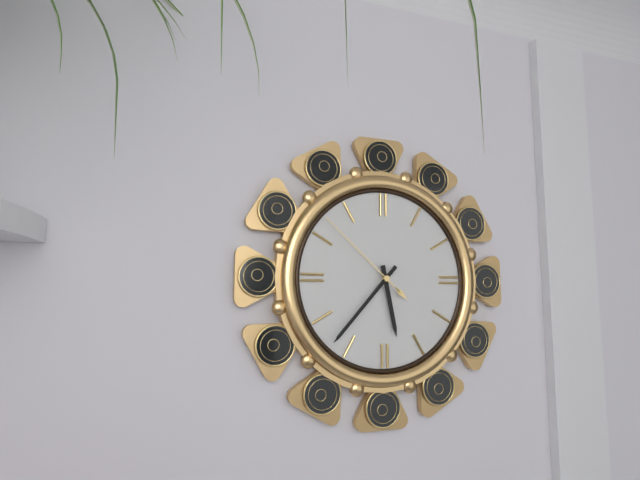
{"hour": 5, "minute": 37, "second": 52}
